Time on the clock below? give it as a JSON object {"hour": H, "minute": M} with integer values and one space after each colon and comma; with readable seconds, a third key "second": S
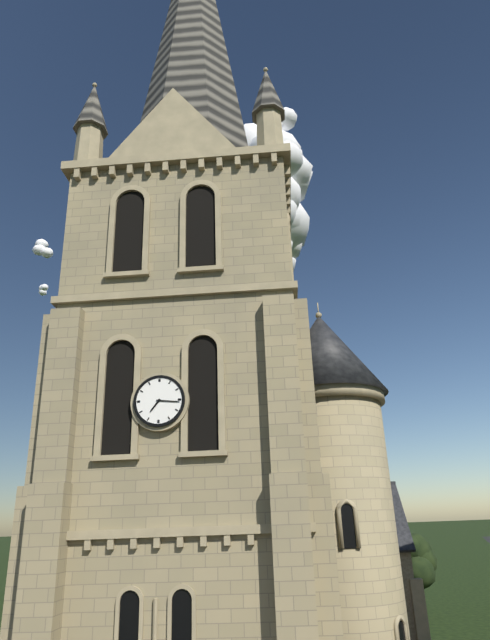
{"hour": 7, "minute": 16}
